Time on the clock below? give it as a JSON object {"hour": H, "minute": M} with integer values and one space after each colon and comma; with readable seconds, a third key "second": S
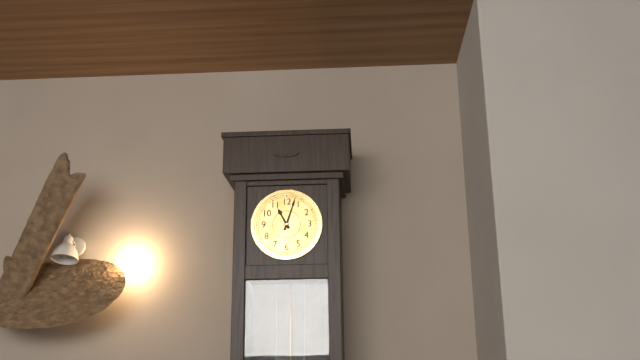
{"hour": 11, "minute": 3}
